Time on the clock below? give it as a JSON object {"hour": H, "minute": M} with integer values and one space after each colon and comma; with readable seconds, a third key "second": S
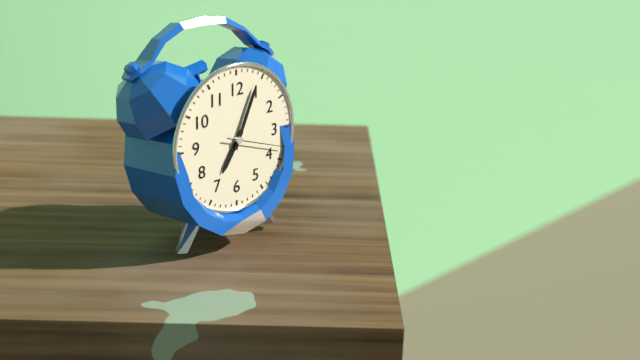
{"hour": 7, "minute": 4, "second": 18}
